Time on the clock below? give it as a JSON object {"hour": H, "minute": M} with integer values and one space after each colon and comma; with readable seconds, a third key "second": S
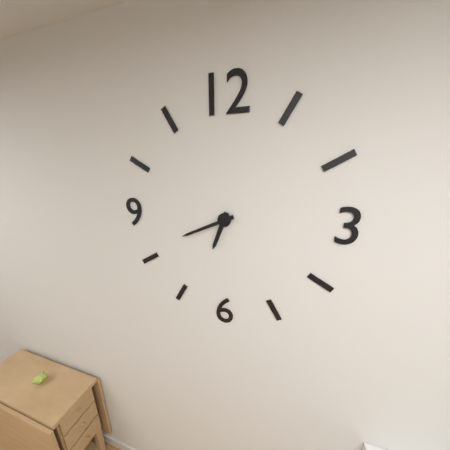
{"hour": 6, "minute": 41}
